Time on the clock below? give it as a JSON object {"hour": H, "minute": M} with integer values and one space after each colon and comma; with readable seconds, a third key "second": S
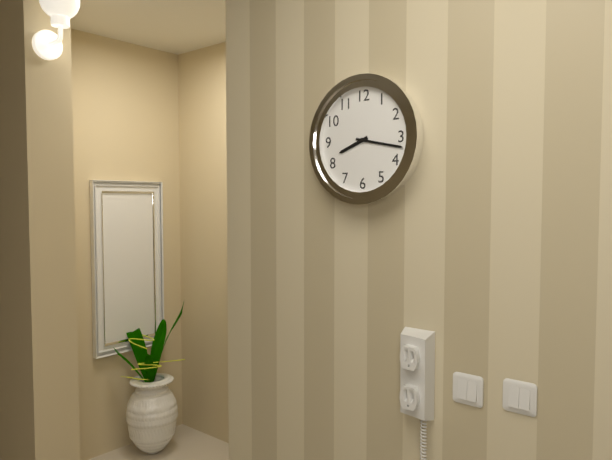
{"hour": 8, "minute": 17}
